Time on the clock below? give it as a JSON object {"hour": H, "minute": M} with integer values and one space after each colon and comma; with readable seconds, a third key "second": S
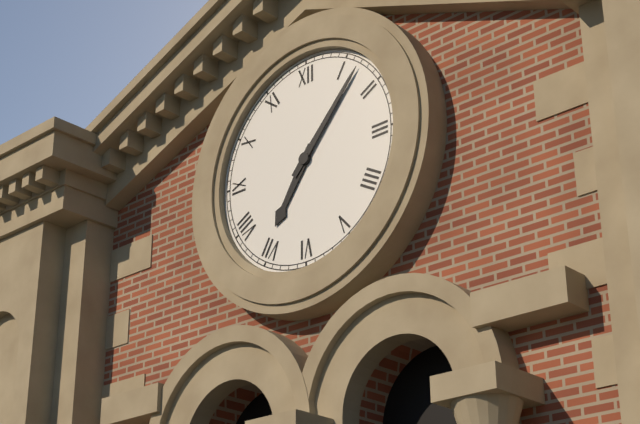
{"hour": 7, "minute": 7}
